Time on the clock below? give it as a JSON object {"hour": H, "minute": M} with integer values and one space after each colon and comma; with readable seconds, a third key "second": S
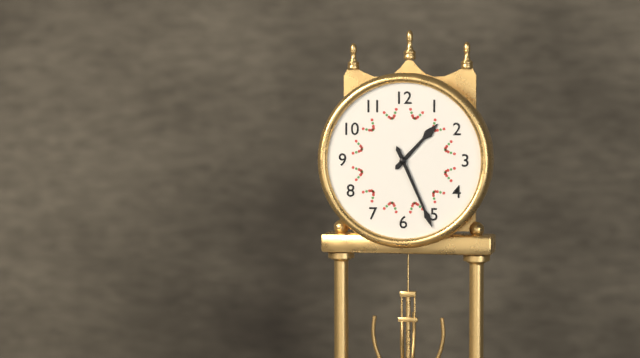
{"hour": 1, "minute": 26}
